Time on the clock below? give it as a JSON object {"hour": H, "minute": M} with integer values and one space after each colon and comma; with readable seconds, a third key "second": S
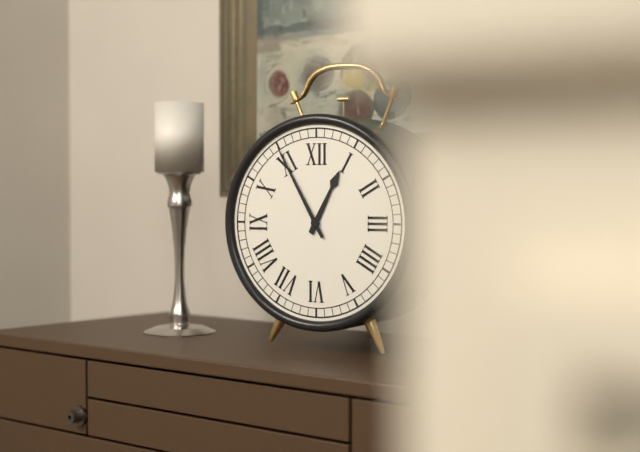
{"hour": 12, "minute": 55}
